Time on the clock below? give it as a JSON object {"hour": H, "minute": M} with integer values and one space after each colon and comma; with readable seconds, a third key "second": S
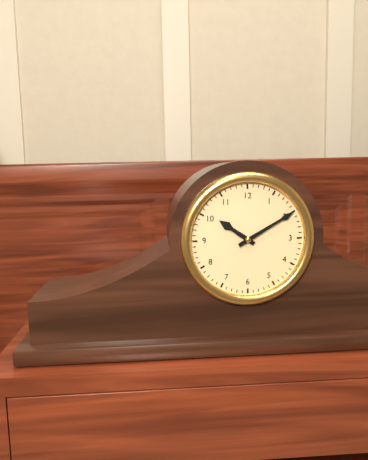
{"hour": 10, "minute": 10}
